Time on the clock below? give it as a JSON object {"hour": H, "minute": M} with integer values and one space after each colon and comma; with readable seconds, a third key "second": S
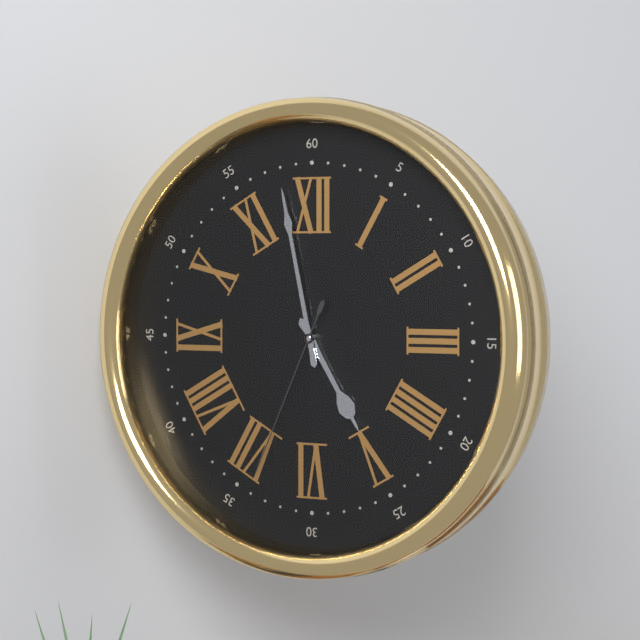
{"hour": 4, "minute": 58, "second": 34}
